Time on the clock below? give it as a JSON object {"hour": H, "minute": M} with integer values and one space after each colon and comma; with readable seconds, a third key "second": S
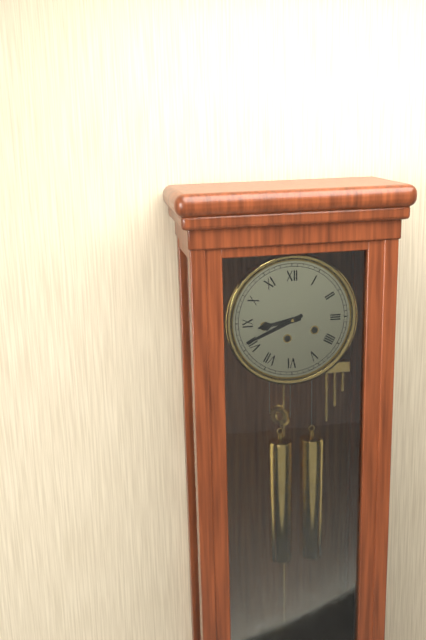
{"hour": 8, "minute": 41}
